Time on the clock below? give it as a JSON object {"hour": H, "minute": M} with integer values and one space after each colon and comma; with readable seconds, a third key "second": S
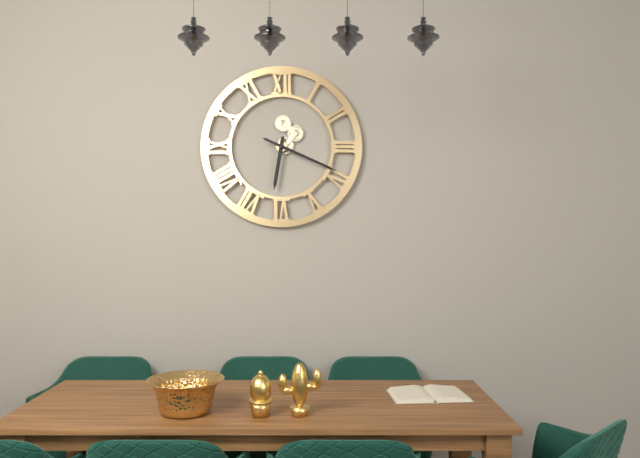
{"hour": 6, "minute": 19}
